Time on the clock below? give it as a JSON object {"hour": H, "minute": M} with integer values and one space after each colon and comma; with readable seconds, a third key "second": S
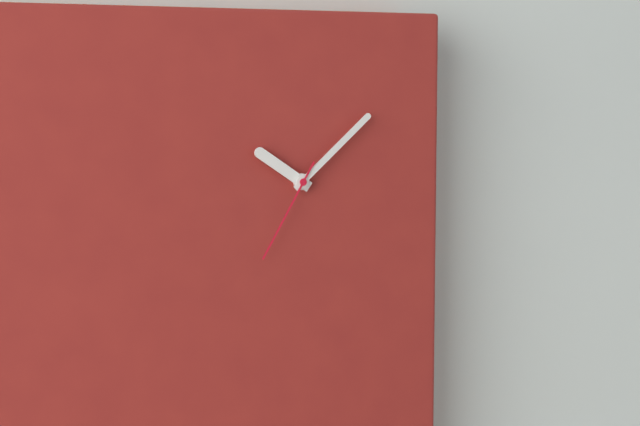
{"hour": 10, "minute": 8, "second": 35}
